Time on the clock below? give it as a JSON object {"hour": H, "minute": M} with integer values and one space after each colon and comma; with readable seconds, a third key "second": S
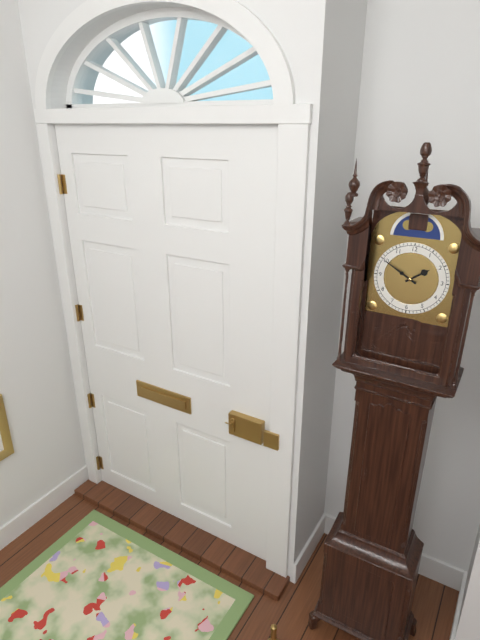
{"hour": 1, "minute": 50}
